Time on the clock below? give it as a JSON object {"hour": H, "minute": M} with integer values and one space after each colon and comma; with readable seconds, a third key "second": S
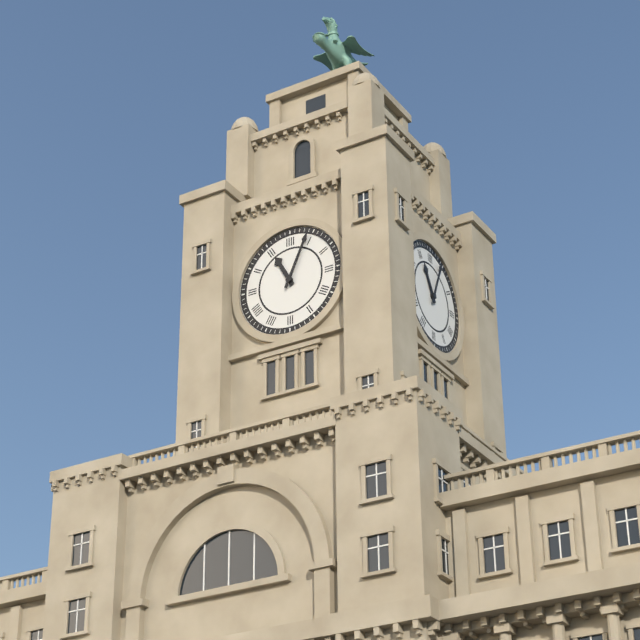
{"hour": 11, "minute": 4}
